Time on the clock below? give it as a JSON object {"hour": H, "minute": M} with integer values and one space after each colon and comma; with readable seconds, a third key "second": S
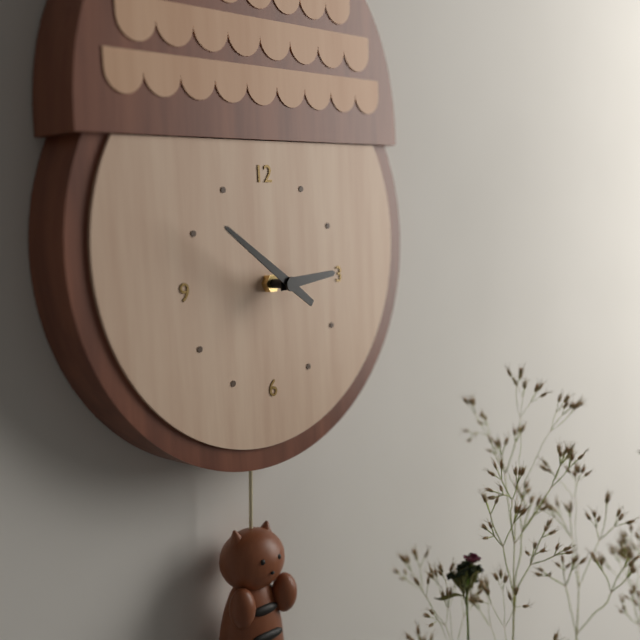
{"hour": 2, "minute": 51}
